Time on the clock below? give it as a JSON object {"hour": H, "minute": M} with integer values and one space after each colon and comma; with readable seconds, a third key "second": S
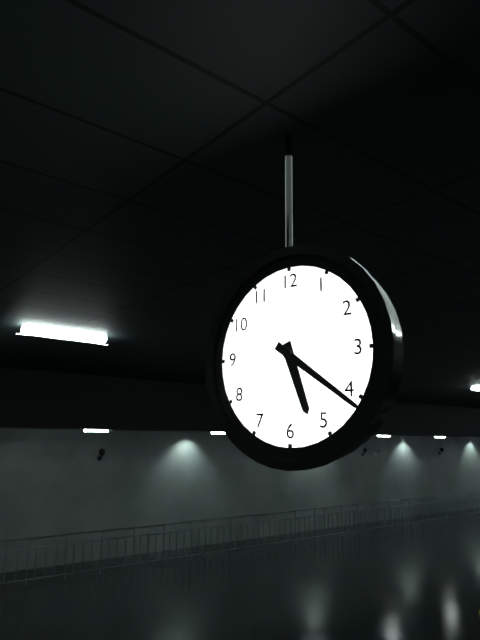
{"hour": 5, "minute": 21}
